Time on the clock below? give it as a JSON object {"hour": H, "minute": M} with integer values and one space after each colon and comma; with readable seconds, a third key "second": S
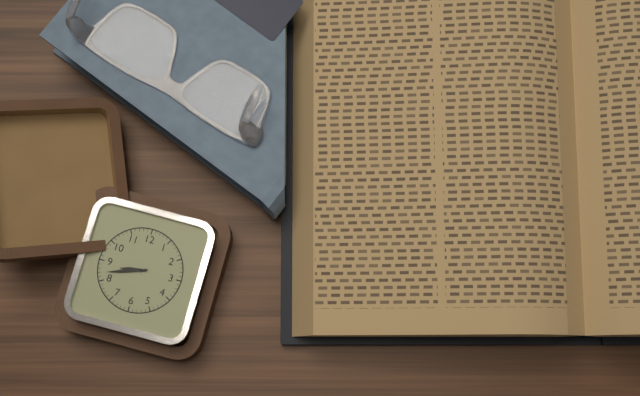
{"hour": 8, "minute": 42}
